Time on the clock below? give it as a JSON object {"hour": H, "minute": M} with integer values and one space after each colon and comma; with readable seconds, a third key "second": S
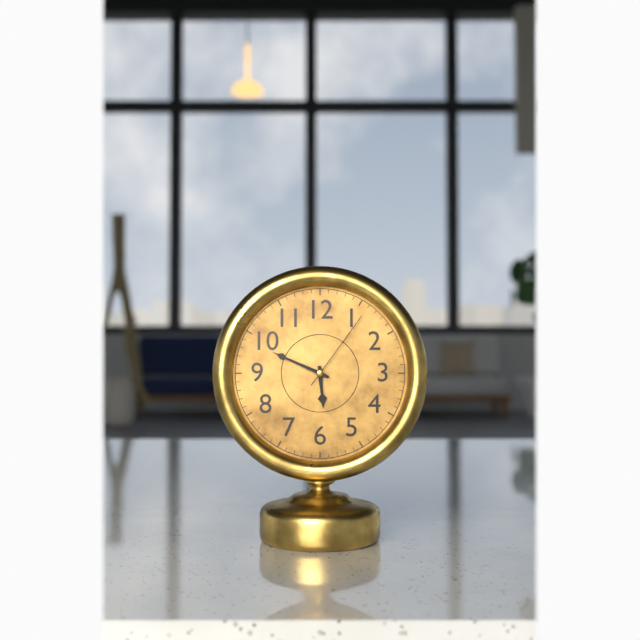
{"hour": 5, "minute": 49, "second": 6}
